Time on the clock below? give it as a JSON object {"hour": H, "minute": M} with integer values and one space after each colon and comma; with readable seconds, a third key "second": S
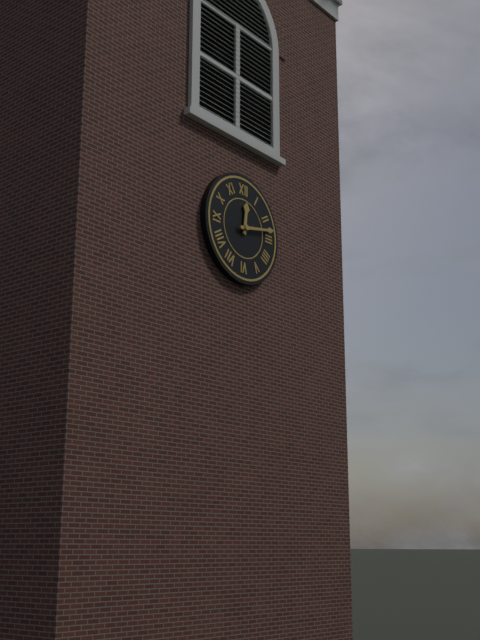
{"hour": 12, "minute": 13}
